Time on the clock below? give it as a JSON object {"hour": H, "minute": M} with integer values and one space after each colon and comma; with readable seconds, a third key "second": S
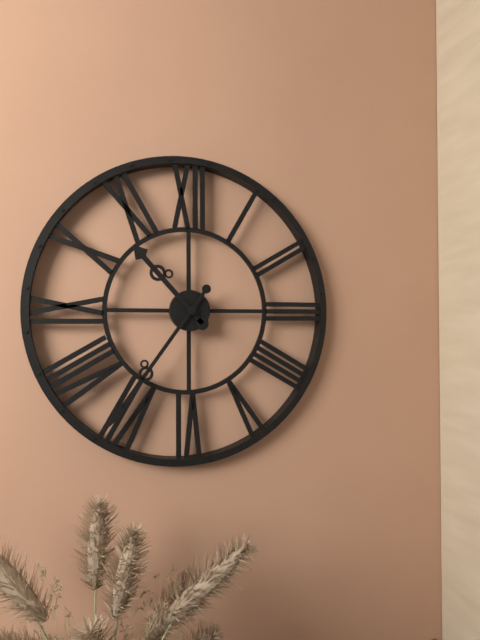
{"hour": 10, "minute": 36}
